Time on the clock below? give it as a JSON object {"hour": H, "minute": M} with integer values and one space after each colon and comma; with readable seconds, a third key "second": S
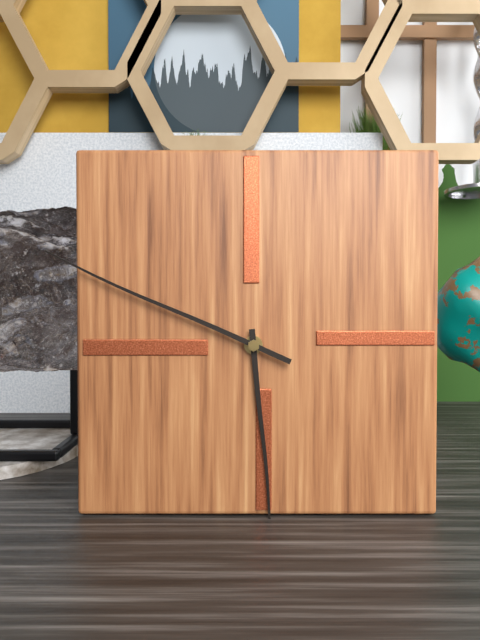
{"hour": 5, "minute": 49}
